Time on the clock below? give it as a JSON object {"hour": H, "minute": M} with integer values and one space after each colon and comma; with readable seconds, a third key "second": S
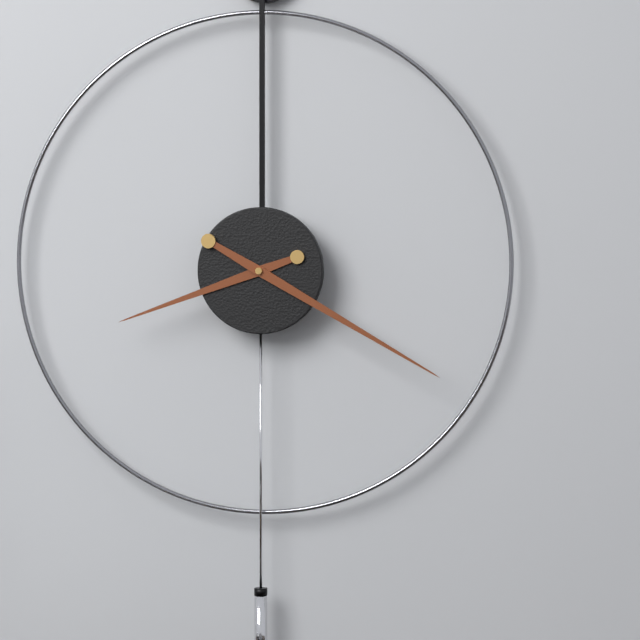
{"hour": 8, "minute": 20}
